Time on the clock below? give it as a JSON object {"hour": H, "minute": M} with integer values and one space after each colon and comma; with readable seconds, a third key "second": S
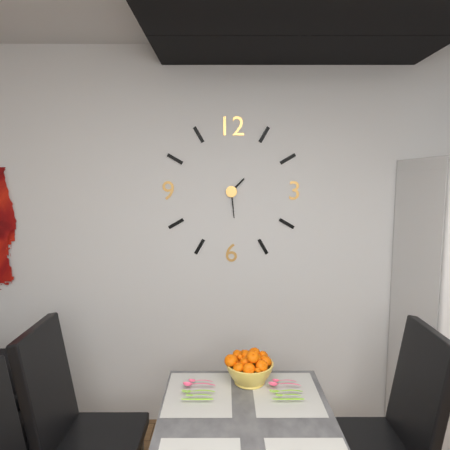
{"hour": 1, "minute": 29}
